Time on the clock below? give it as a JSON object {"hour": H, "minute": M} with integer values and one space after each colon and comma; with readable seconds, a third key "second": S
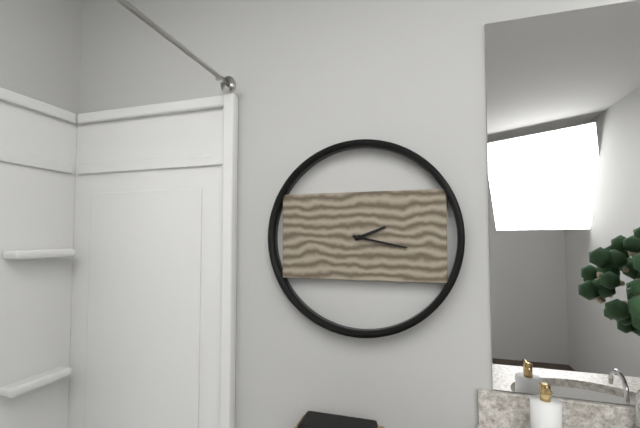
{"hour": 2, "minute": 17}
